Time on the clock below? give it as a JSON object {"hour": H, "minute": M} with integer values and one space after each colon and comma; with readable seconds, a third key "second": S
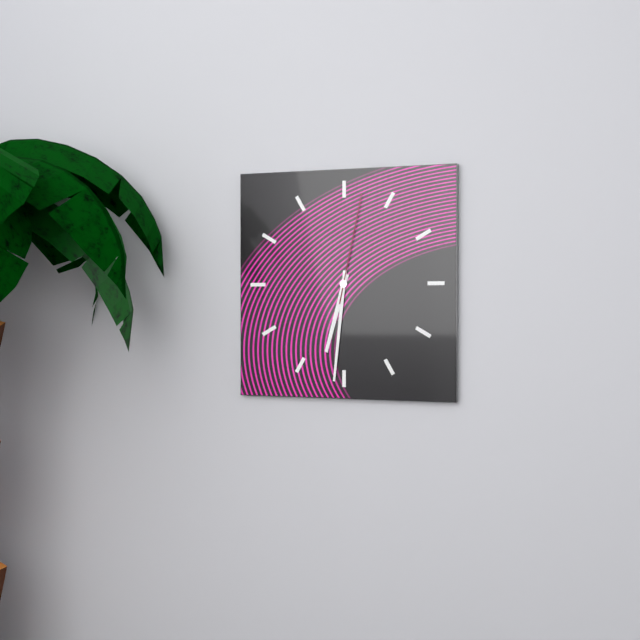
{"hour": 6, "minute": 31, "second": 2}
